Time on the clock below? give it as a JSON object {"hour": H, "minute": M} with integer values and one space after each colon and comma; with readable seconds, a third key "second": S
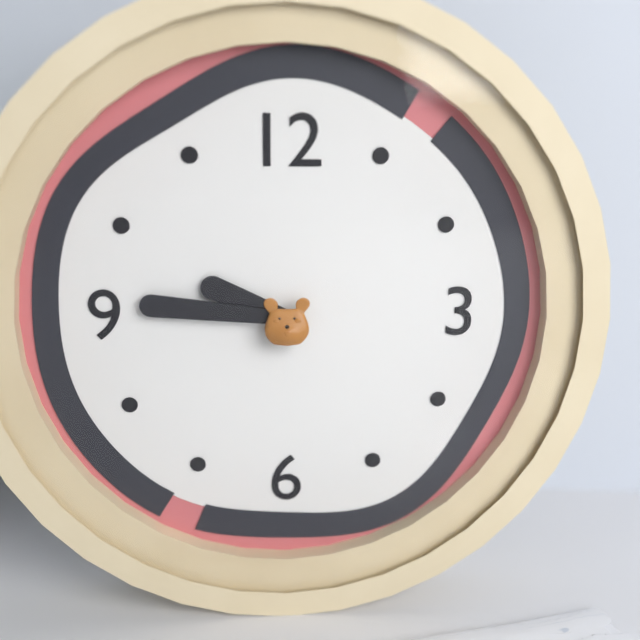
{"hour": 9, "minute": 46}
